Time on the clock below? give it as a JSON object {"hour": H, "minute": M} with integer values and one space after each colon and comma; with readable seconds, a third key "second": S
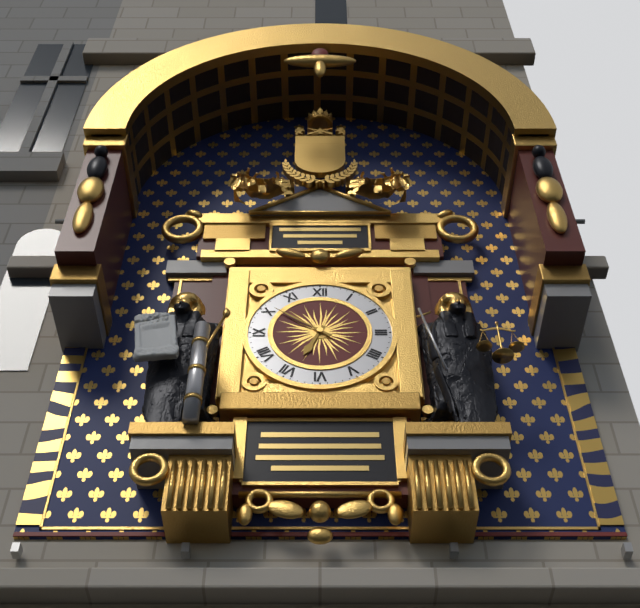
{"hour": 6, "minute": 51}
